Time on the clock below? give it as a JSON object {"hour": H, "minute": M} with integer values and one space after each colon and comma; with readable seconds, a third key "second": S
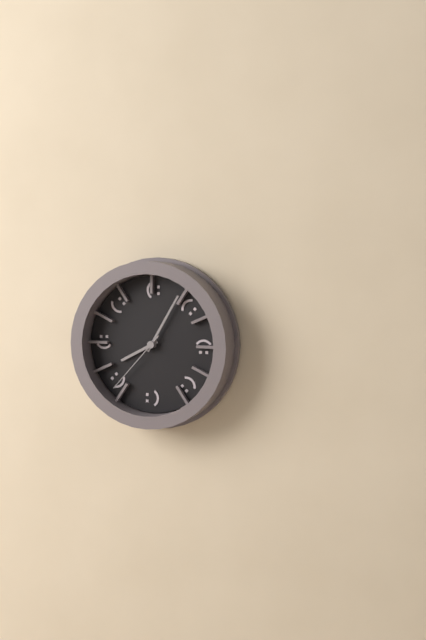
{"hour": 8, "minute": 5, "second": 37}
